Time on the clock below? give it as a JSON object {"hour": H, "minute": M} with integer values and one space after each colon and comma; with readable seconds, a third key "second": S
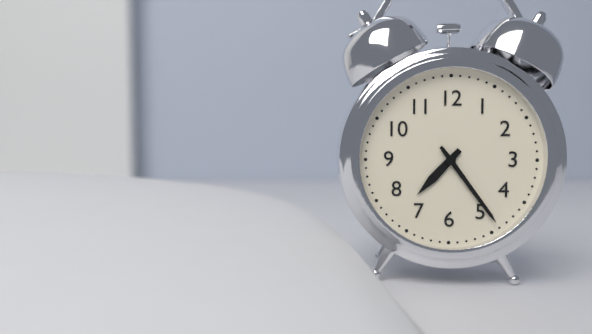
{"hour": 7, "minute": 24}
